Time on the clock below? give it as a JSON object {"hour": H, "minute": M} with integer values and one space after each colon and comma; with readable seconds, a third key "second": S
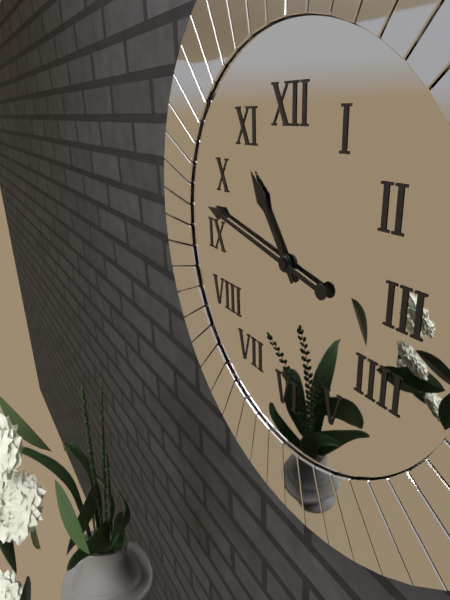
{"hour": 10, "minute": 47}
